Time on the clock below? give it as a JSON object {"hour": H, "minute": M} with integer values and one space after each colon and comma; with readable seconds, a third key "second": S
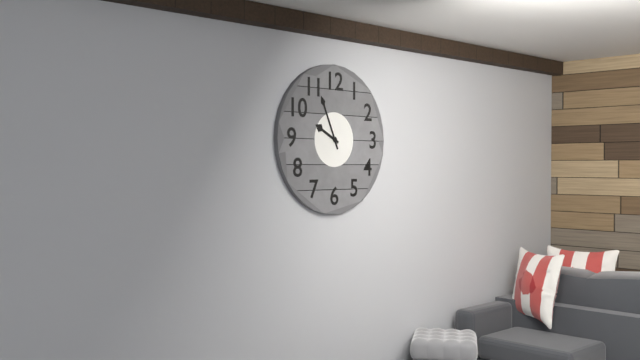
{"hour": 9, "minute": 56}
